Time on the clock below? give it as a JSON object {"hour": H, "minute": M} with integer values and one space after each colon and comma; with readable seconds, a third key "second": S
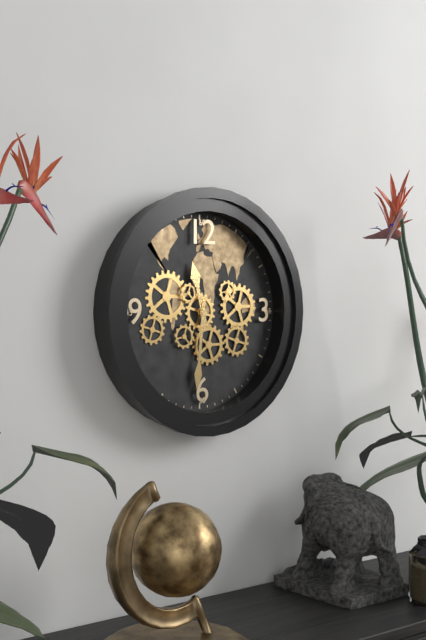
{"hour": 11, "minute": 31}
